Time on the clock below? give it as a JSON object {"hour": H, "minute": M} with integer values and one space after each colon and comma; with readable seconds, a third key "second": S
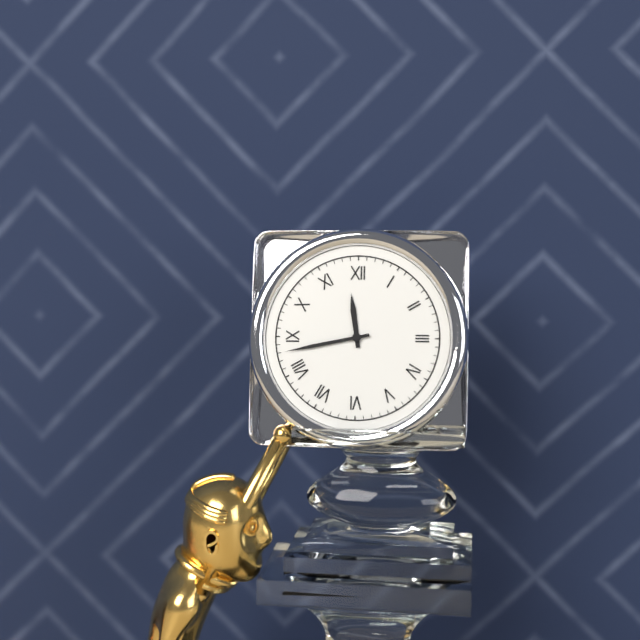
{"hour": 11, "minute": 43}
